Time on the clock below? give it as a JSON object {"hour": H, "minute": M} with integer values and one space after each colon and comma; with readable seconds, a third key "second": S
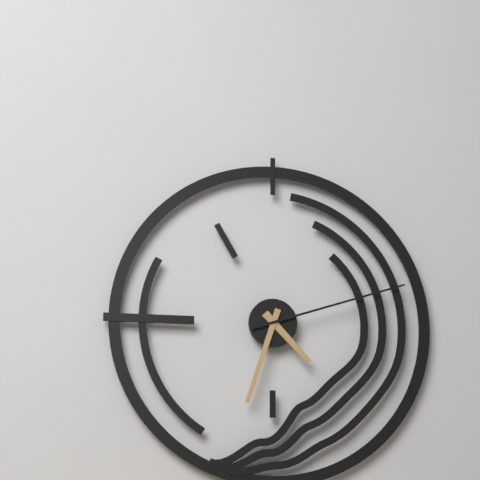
{"hour": 4, "minute": 33, "second": 12}
